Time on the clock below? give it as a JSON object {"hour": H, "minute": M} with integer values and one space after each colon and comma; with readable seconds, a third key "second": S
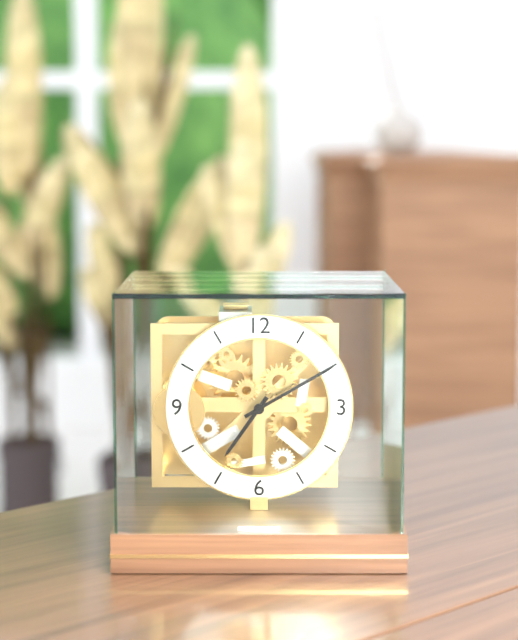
{"hour": 7, "minute": 10}
